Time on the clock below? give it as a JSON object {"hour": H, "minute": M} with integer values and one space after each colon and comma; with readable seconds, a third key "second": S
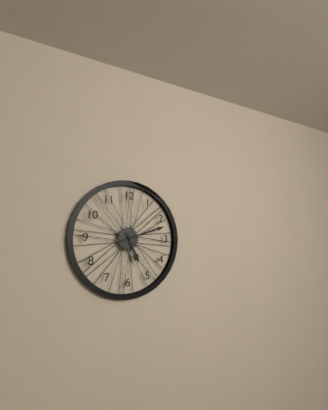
{"hour": 5, "minute": 12}
